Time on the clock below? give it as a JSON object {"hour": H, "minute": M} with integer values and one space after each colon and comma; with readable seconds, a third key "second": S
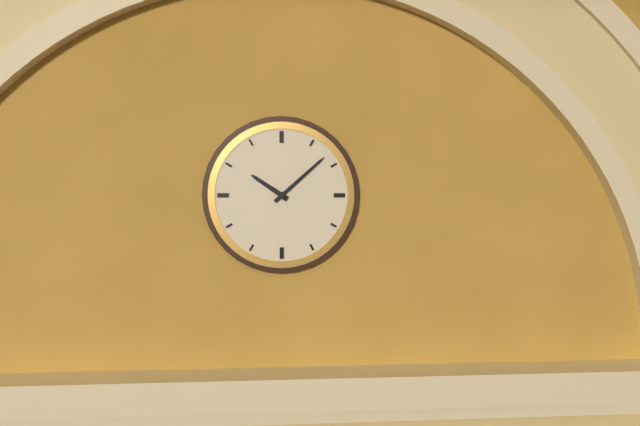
{"hour": 10, "minute": 8}
